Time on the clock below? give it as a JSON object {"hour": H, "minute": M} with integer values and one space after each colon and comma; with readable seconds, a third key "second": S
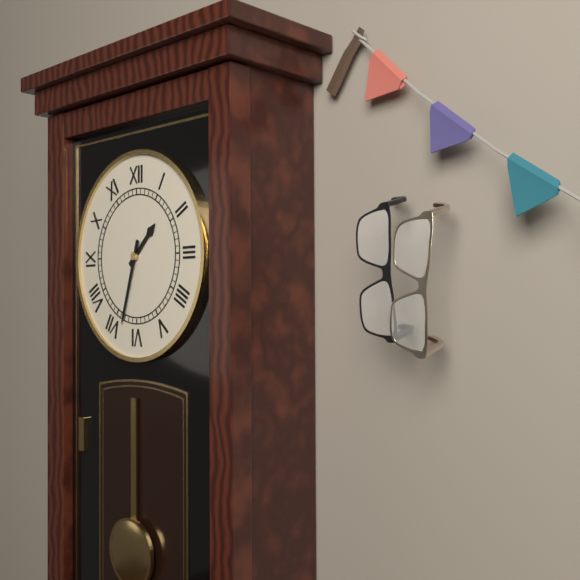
{"hour": 1, "minute": 33}
